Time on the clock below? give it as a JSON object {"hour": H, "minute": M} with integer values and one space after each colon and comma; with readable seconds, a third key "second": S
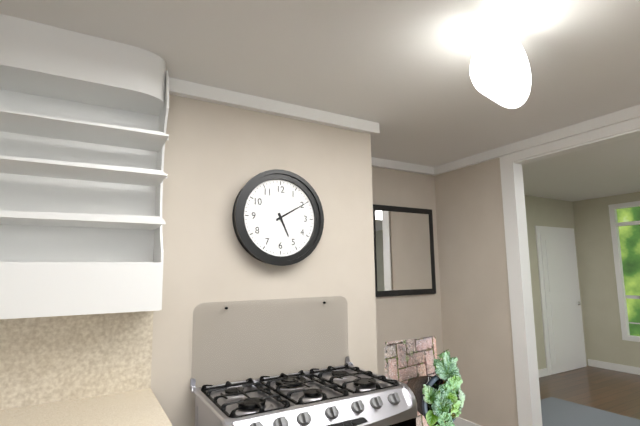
{"hour": 5, "minute": 10}
